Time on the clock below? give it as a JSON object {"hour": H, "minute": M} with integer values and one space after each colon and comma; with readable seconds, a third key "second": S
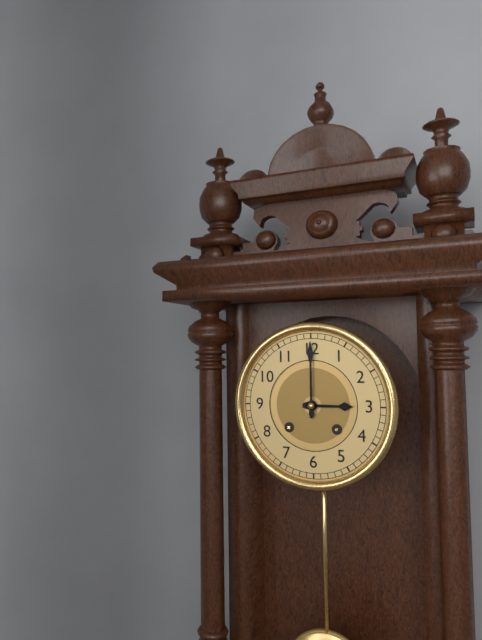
{"hour": 3, "minute": 0}
